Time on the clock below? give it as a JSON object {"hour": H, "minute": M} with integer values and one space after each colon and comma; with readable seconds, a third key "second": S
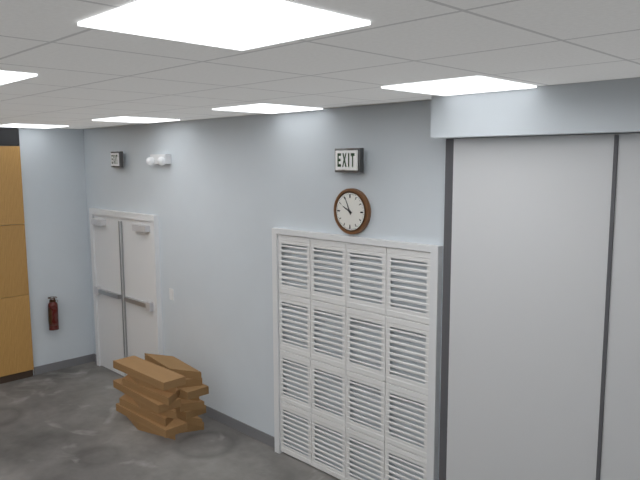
{"hour": 9, "minute": 56}
